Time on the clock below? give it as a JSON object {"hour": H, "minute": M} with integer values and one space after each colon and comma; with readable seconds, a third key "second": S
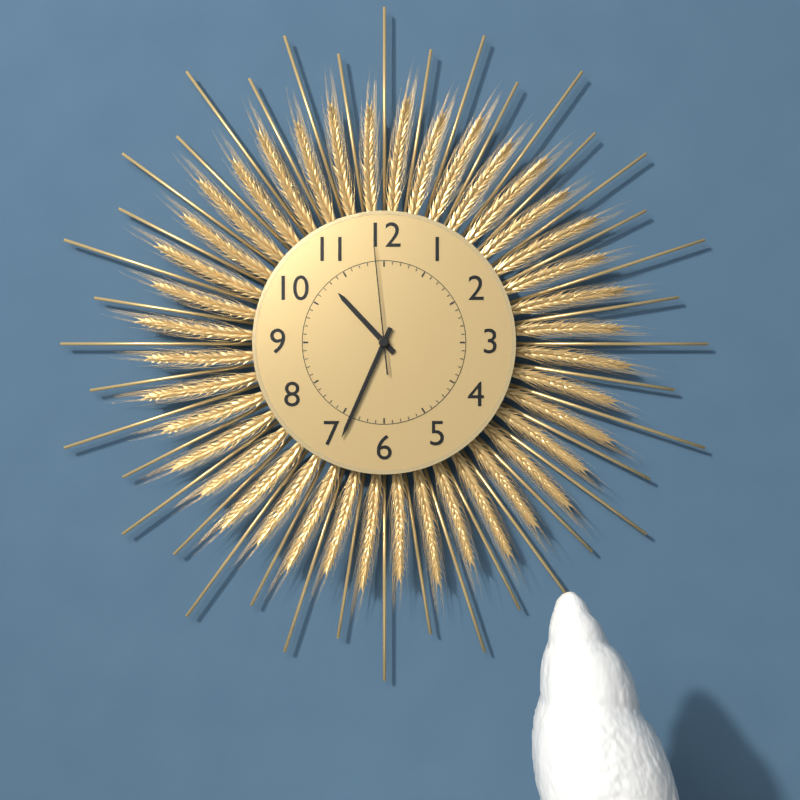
{"hour": 10, "minute": 34, "second": 59}
